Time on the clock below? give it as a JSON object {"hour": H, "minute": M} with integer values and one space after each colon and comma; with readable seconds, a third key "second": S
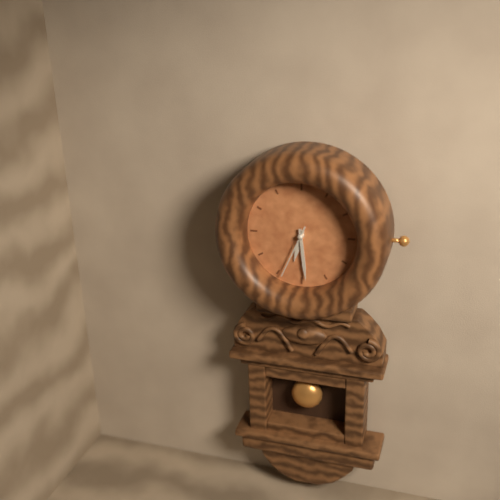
{"hour": 6, "minute": 29, "second": 34}
